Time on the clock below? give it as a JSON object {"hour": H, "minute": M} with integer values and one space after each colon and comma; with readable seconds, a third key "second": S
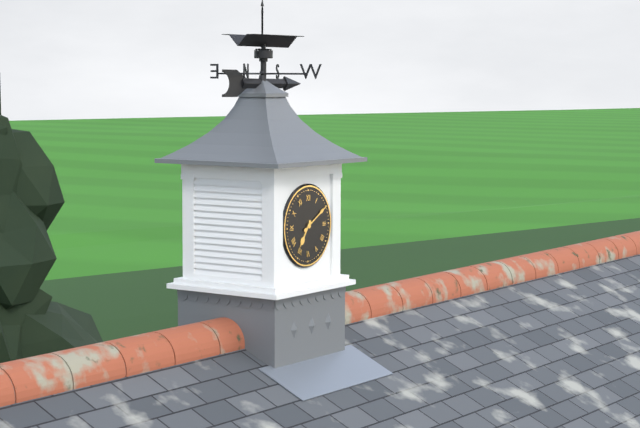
{"hour": 7, "minute": 10}
